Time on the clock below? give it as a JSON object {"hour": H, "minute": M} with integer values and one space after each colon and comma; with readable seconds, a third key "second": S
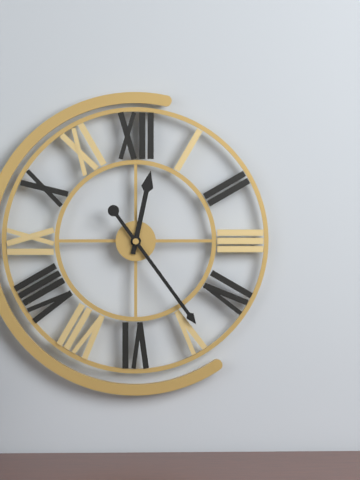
{"hour": 12, "minute": 24}
